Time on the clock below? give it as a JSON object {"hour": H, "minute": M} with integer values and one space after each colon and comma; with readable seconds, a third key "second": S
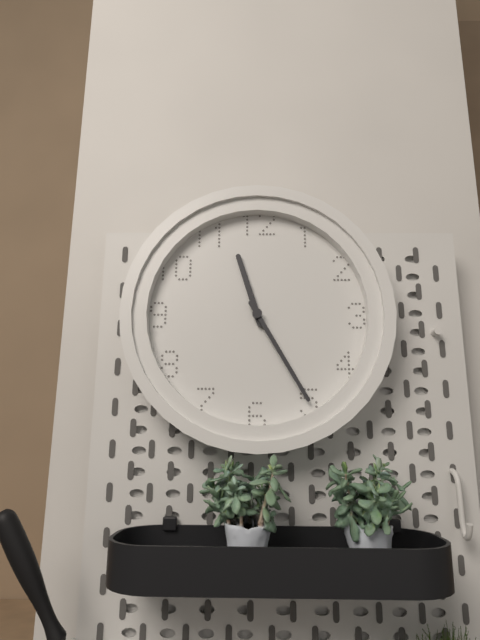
{"hour": 11, "minute": 25}
